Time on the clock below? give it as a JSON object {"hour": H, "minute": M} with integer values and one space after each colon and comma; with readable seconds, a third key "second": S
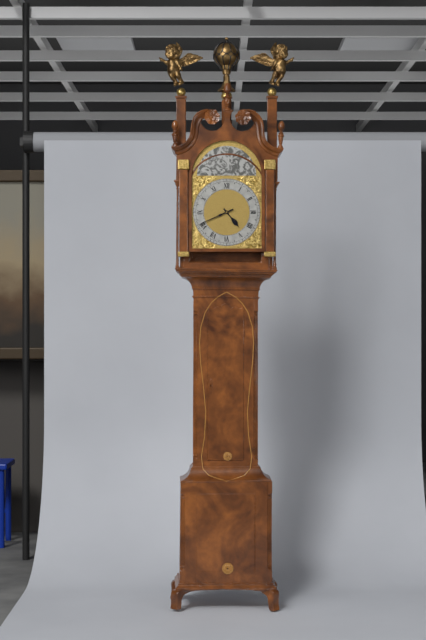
{"hour": 4, "minute": 41}
